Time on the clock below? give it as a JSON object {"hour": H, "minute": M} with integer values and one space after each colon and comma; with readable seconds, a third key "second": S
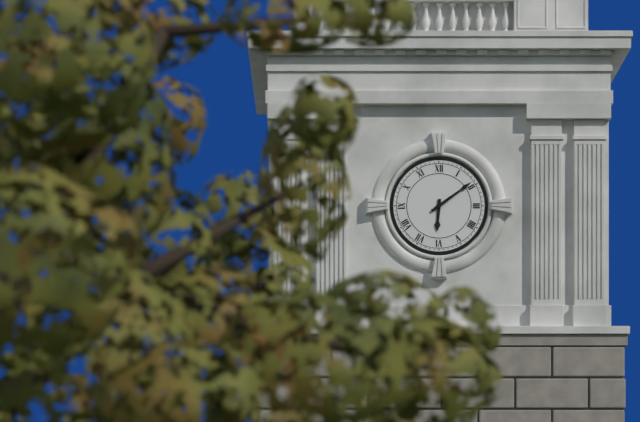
{"hour": 6, "minute": 9}
